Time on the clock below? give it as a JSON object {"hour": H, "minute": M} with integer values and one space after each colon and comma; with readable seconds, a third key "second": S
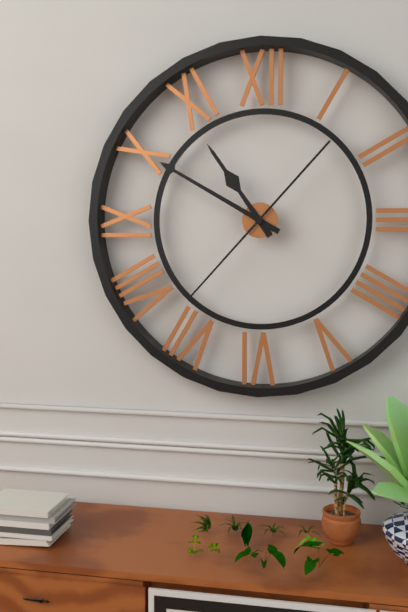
{"hour": 10, "minute": 50, "second": 37}
